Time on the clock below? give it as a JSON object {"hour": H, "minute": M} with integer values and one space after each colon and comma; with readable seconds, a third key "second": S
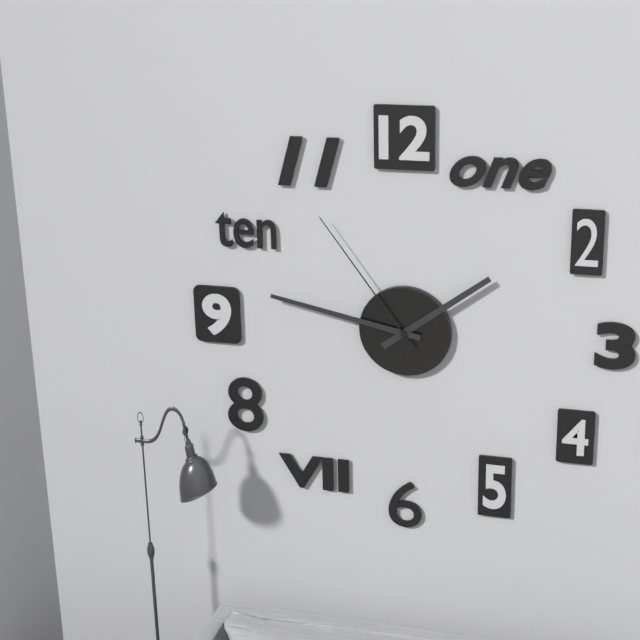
{"hour": 1, "minute": 47, "second": 54}
